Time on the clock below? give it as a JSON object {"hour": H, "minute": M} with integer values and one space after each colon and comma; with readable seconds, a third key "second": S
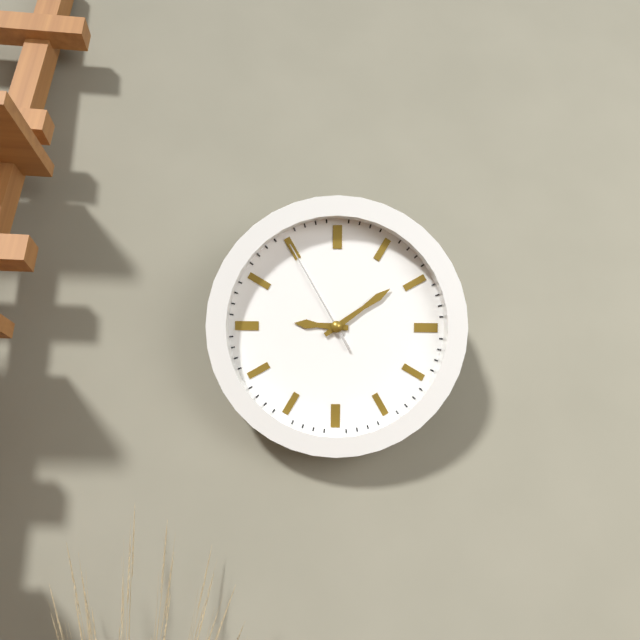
{"hour": 9, "minute": 9, "second": 55}
